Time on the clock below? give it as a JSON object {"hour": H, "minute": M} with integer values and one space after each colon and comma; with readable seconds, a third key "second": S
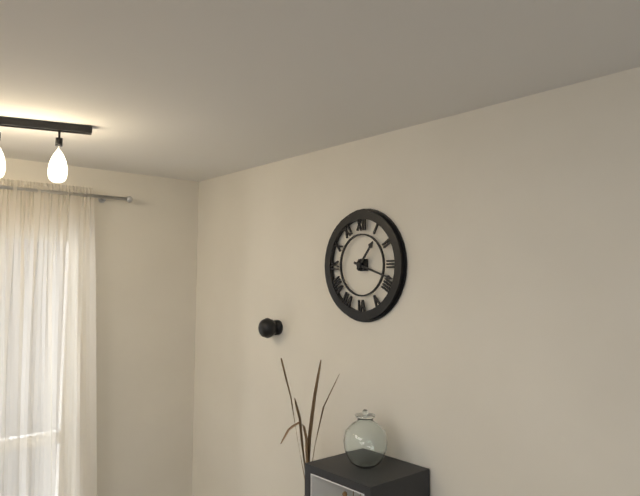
{"hour": 1, "minute": 18}
